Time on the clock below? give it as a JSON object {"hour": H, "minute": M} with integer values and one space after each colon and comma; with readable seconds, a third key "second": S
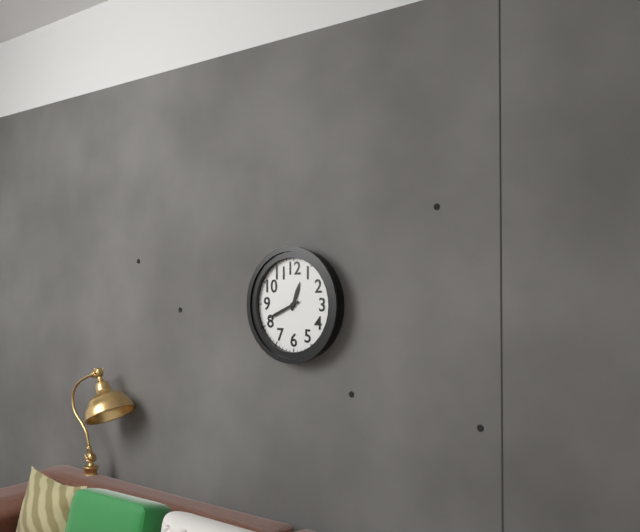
{"hour": 12, "minute": 41}
